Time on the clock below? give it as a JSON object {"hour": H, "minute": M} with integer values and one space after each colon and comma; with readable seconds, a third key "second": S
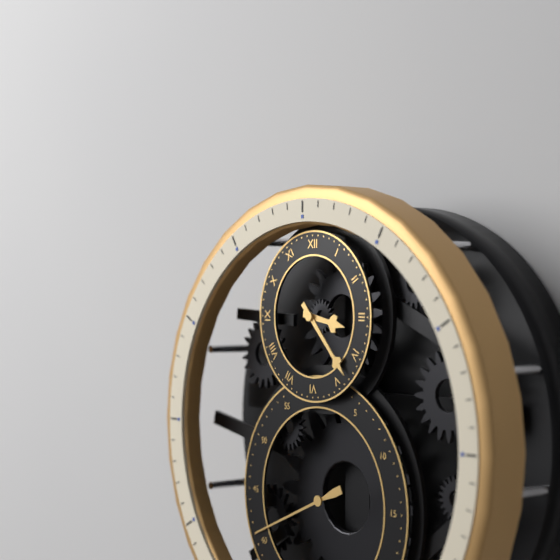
{"hour": 3, "minute": 23, "second": 41}
